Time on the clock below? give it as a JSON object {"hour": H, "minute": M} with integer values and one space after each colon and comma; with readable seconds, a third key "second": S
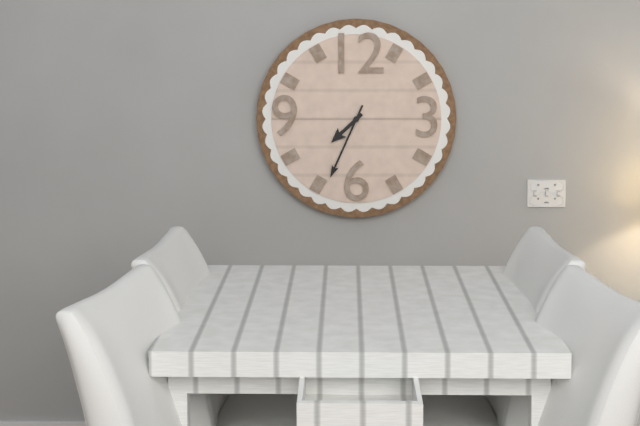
{"hour": 7, "minute": 34}
